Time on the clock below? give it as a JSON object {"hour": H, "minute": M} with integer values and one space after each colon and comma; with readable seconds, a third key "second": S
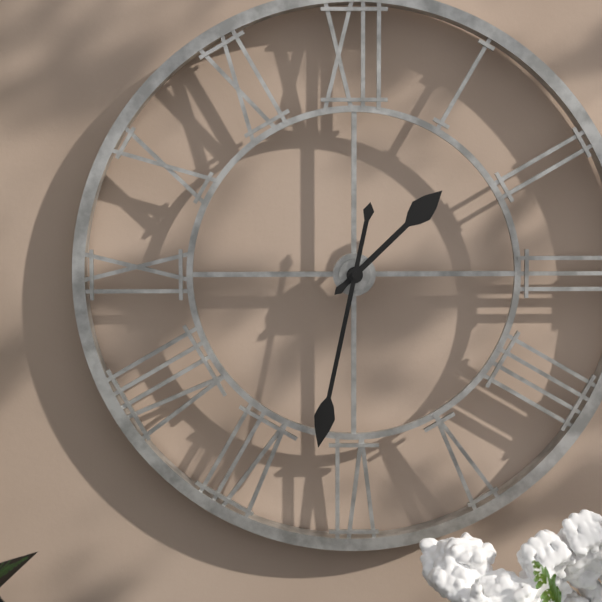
{"hour": 1, "minute": 32}
